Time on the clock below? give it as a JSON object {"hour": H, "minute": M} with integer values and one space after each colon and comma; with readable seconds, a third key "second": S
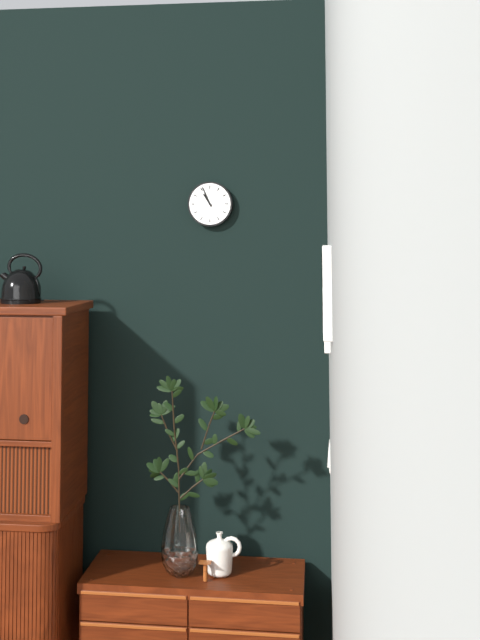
{"hour": 10, "minute": 56}
